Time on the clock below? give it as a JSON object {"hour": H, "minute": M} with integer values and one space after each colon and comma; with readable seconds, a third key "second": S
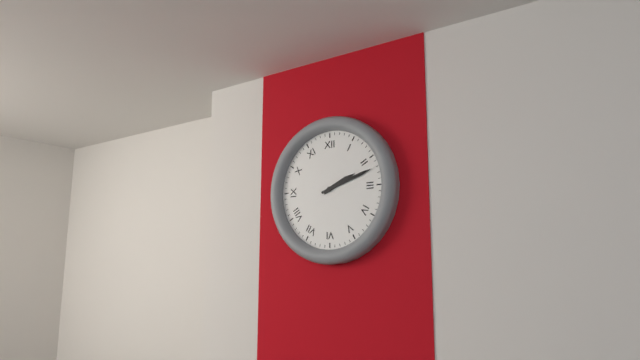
{"hour": 2, "minute": 12}
